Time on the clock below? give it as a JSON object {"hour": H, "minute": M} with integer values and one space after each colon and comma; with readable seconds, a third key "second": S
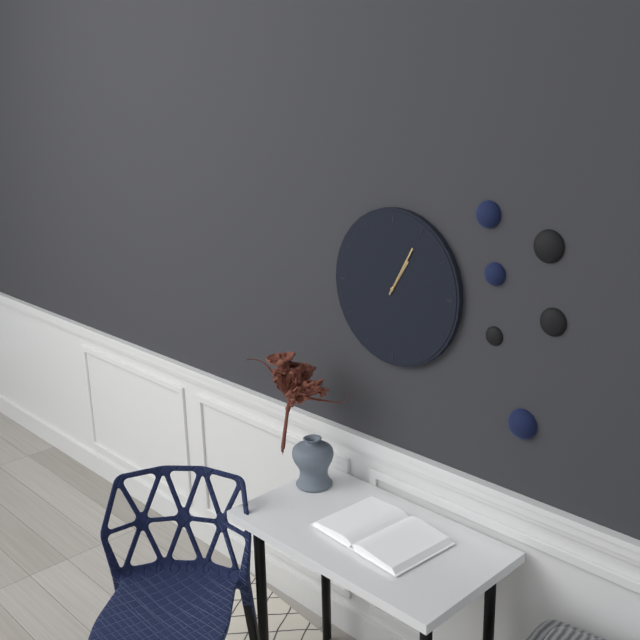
{"hour": 1, "minute": 5}
